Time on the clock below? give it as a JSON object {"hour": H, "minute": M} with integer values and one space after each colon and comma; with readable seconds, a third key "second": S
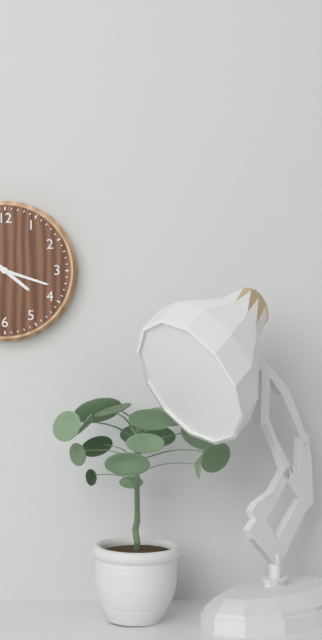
{"hour": 4, "minute": 18}
